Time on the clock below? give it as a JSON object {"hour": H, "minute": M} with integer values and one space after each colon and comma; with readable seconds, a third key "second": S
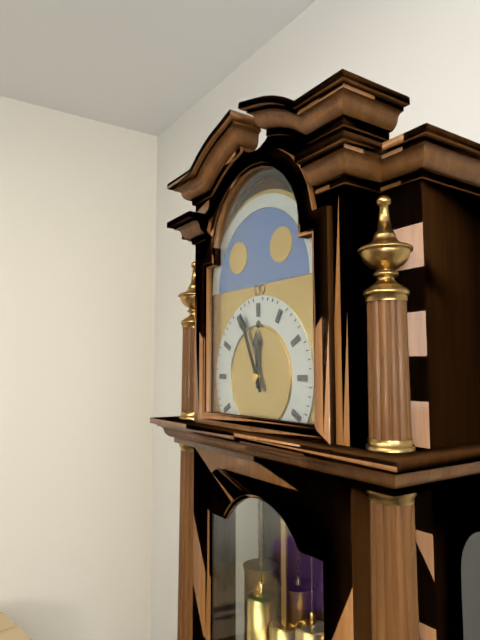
{"hour": 11, "minute": 56}
